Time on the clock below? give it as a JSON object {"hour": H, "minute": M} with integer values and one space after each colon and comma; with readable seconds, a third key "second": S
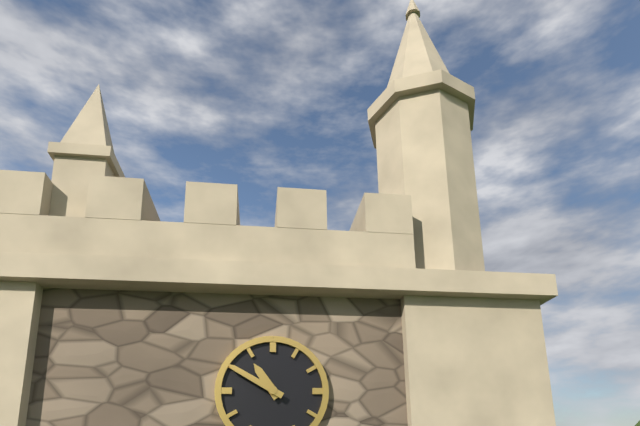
{"hour": 10, "minute": 50}
